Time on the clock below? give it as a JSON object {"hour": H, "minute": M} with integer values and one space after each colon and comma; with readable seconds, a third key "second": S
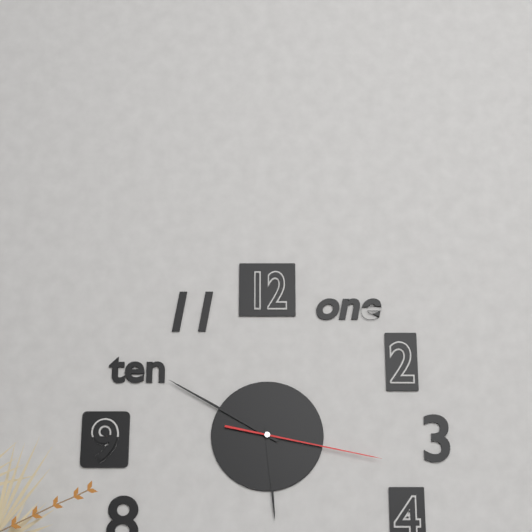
{"hour": 5, "minute": 50, "second": 17}
